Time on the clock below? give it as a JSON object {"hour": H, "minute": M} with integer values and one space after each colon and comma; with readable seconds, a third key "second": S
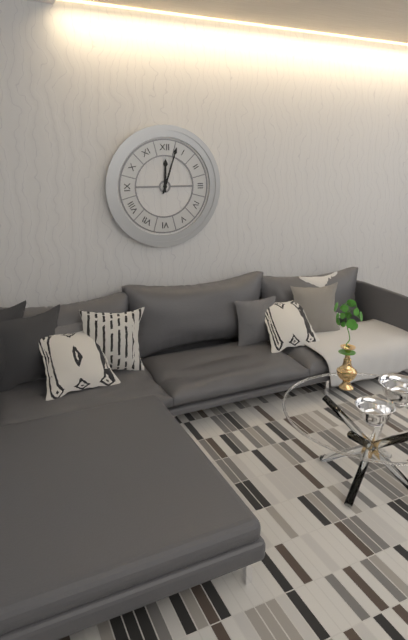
{"hour": 12, "minute": 3}
